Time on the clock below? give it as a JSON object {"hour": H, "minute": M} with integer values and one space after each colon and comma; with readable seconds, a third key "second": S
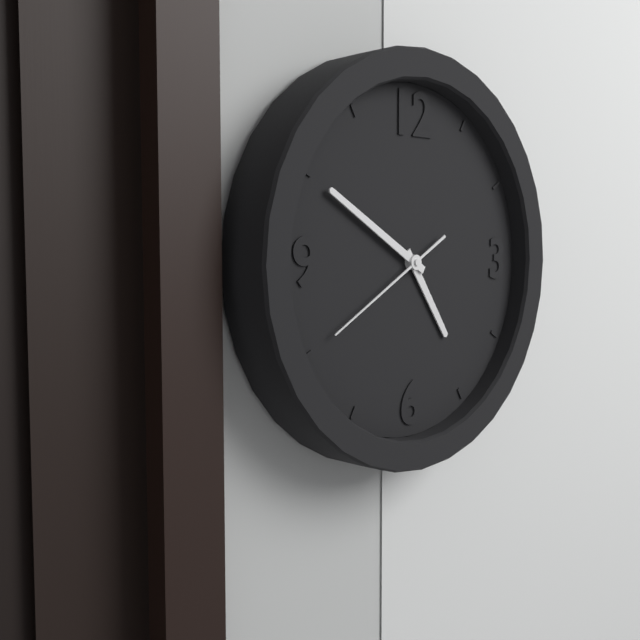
{"hour": 4, "minute": 50, "second": 40}
